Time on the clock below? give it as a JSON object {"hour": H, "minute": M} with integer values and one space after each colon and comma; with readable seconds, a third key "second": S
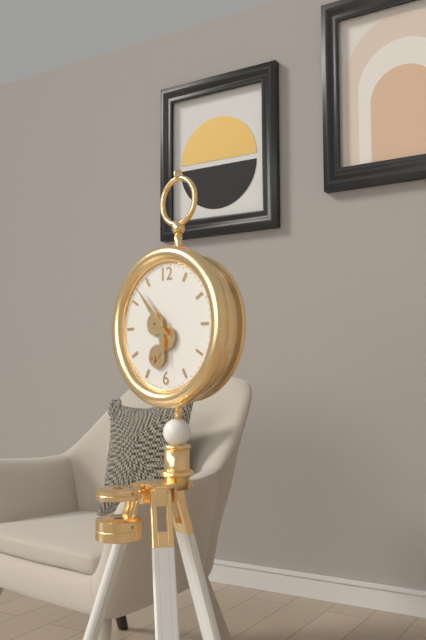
{"hour": 5, "minute": 53}
